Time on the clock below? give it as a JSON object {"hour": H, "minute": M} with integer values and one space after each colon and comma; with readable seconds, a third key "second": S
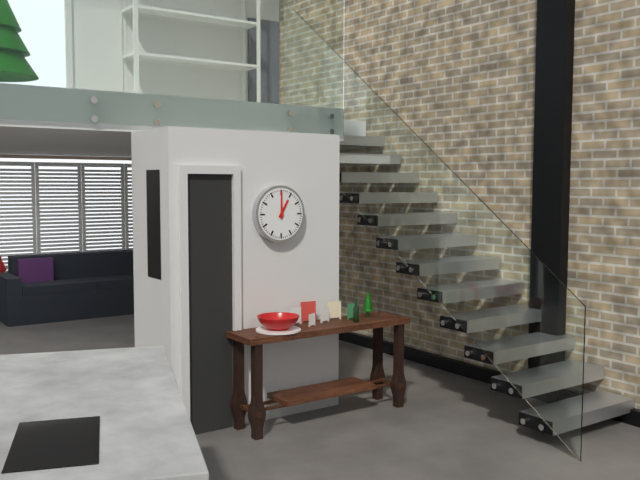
{"hour": 1, "minute": 0}
